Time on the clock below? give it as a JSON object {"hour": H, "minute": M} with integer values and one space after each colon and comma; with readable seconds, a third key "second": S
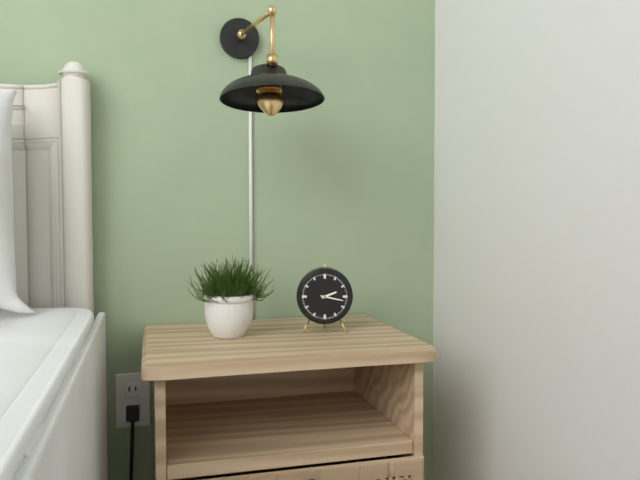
{"hour": 2, "minute": 17}
